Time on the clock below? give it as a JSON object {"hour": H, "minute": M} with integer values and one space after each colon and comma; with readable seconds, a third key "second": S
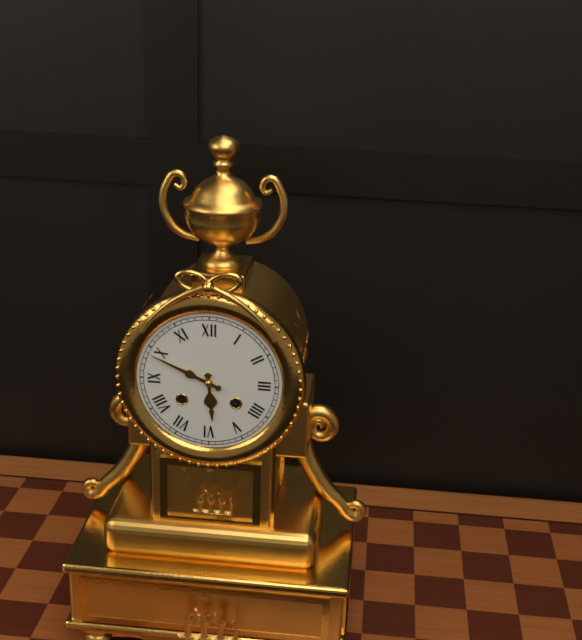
{"hour": 5, "minute": 49}
